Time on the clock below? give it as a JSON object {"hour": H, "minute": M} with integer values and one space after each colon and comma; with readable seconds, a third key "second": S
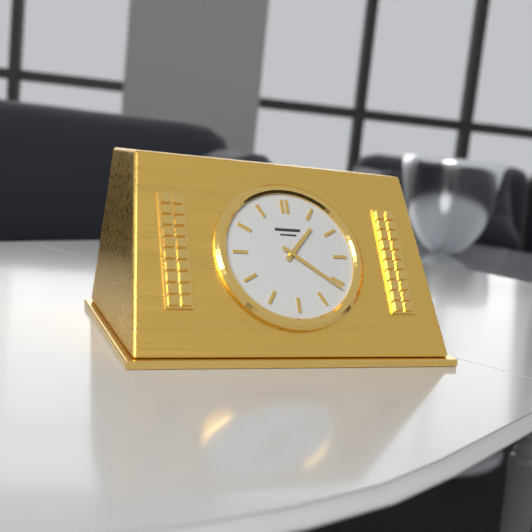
{"hour": 1, "minute": 21}
